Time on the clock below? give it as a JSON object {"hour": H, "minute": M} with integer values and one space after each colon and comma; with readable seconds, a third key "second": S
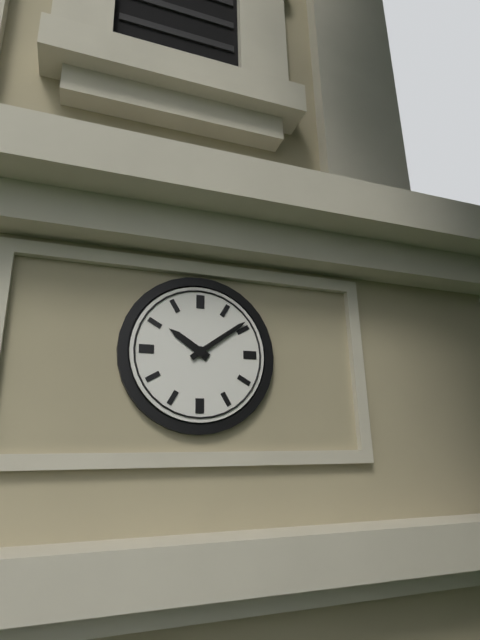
{"hour": 10, "minute": 9}
